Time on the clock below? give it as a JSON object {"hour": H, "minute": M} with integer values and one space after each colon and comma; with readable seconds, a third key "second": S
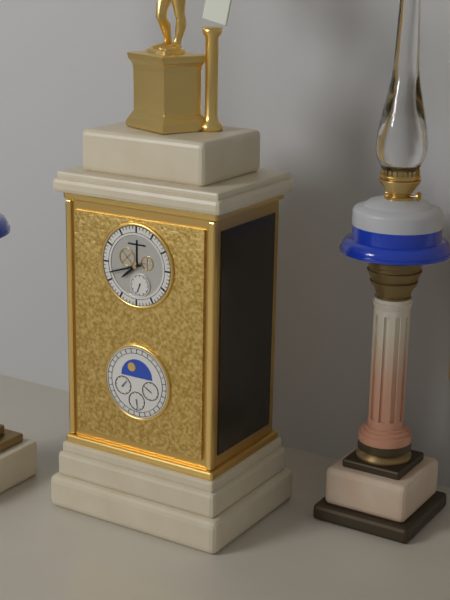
{"hour": 7, "minute": 42}
